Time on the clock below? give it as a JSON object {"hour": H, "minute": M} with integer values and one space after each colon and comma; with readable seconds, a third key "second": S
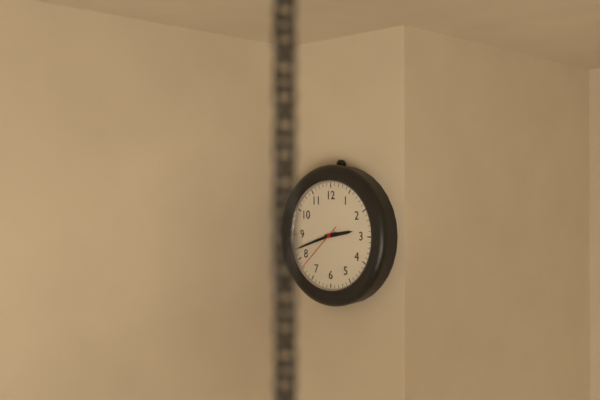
{"hour": 2, "minute": 42, "second": 38}
